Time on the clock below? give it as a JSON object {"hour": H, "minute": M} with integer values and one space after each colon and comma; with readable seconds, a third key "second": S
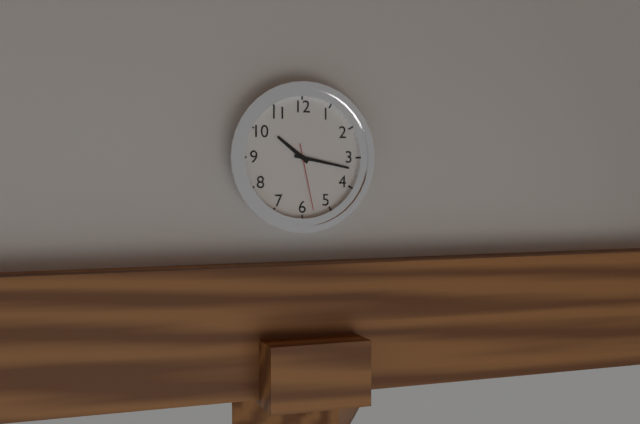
{"hour": 10, "minute": 17, "second": 28}
